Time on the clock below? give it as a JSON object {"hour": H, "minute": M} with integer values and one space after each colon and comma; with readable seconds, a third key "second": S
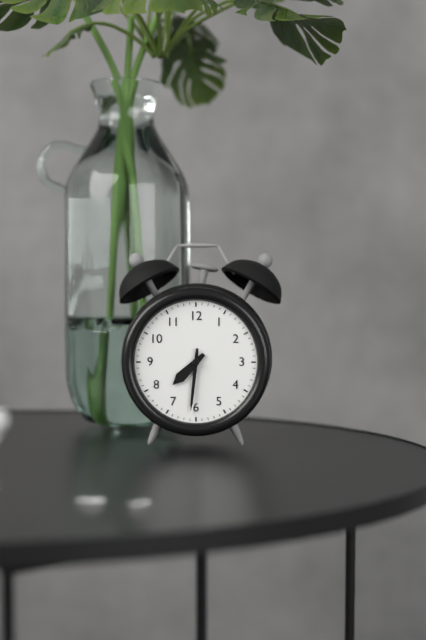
{"hour": 7, "minute": 31}
